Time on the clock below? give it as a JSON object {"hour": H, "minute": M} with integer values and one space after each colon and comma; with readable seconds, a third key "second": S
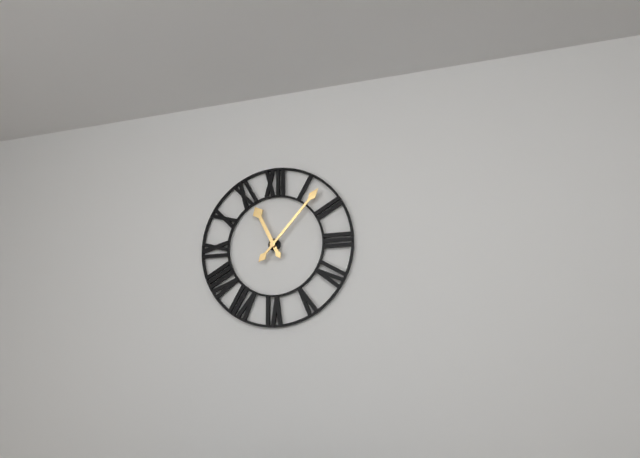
{"hour": 11, "minute": 7}
